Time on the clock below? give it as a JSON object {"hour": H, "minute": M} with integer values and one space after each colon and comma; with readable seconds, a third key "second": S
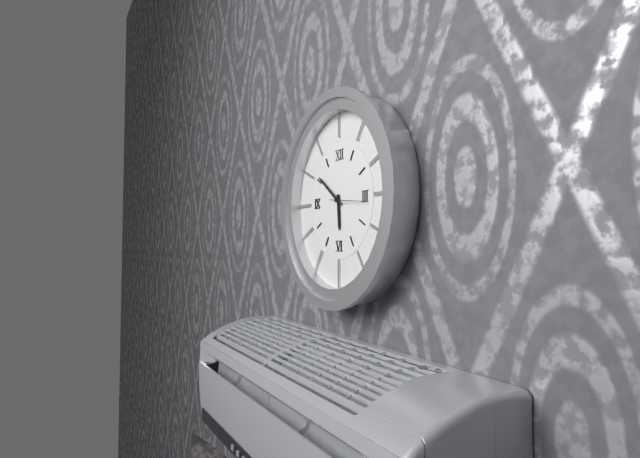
{"hour": 5, "minute": 51}
